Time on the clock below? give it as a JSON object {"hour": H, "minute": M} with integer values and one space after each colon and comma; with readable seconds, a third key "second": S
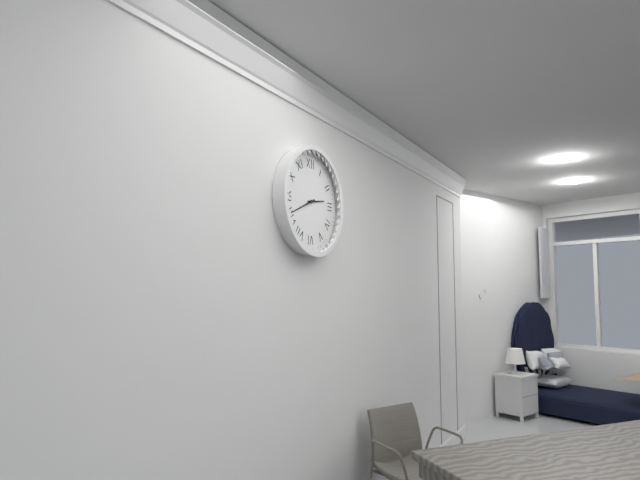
{"hour": 2, "minute": 41}
